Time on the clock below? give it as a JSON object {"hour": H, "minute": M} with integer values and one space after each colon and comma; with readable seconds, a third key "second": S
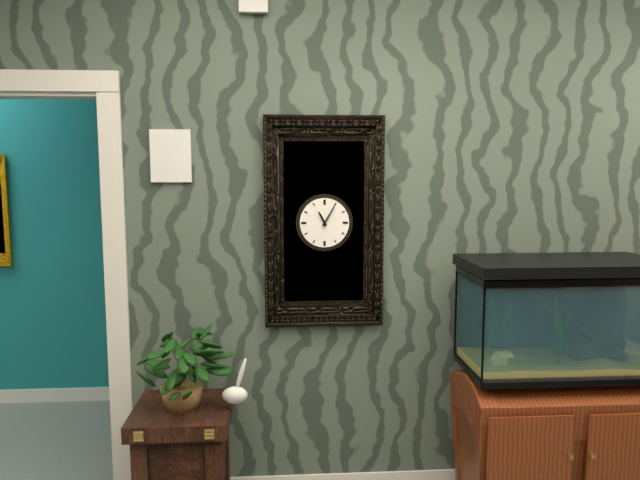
{"hour": 11, "minute": 5}
